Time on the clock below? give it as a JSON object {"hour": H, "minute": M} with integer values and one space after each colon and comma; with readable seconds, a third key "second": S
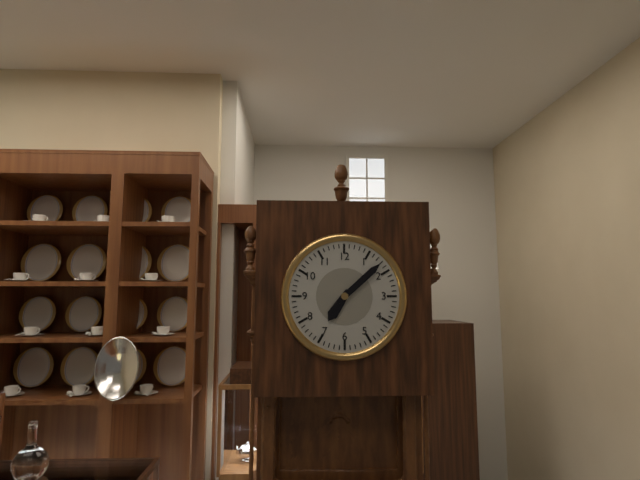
{"hour": 7, "minute": 8}
